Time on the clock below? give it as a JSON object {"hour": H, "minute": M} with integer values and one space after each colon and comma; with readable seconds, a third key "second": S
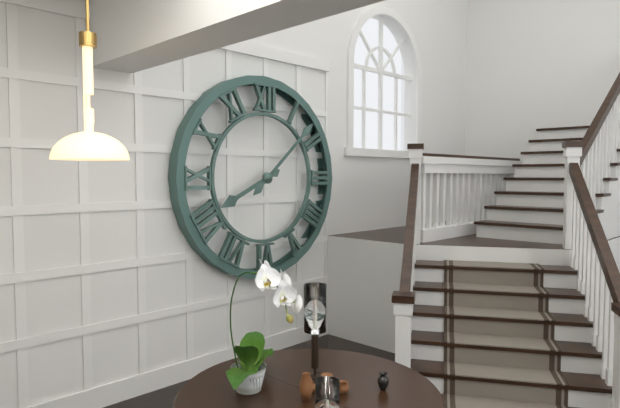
{"hour": 8, "minute": 8}
